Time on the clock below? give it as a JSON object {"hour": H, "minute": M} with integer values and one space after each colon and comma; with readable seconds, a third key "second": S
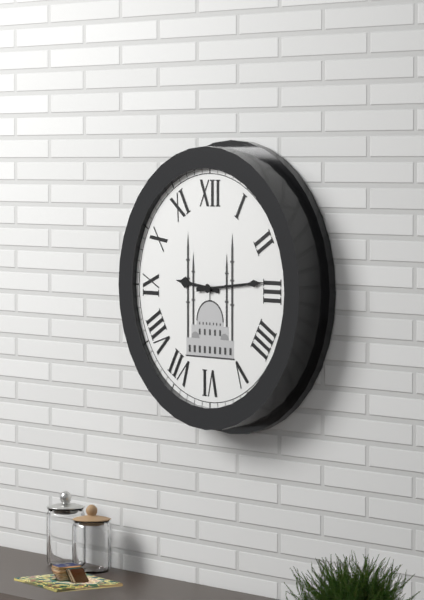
{"hour": 9, "minute": 14}
